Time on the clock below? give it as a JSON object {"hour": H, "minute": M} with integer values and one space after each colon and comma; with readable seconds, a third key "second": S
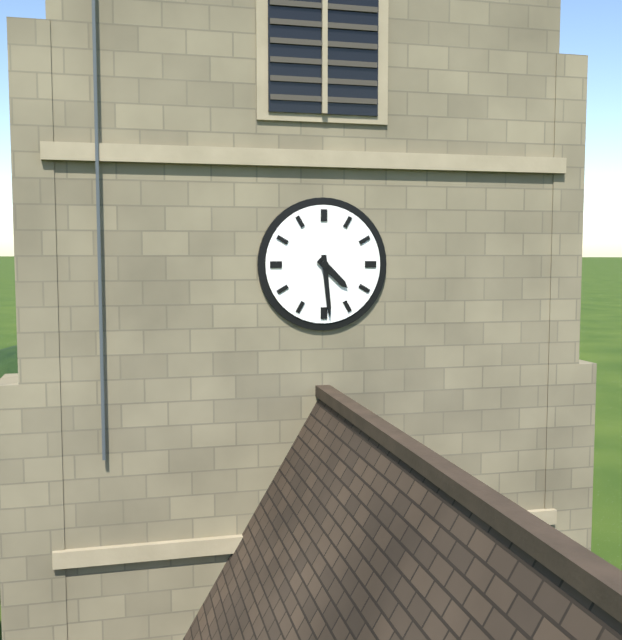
{"hour": 4, "minute": 29}
